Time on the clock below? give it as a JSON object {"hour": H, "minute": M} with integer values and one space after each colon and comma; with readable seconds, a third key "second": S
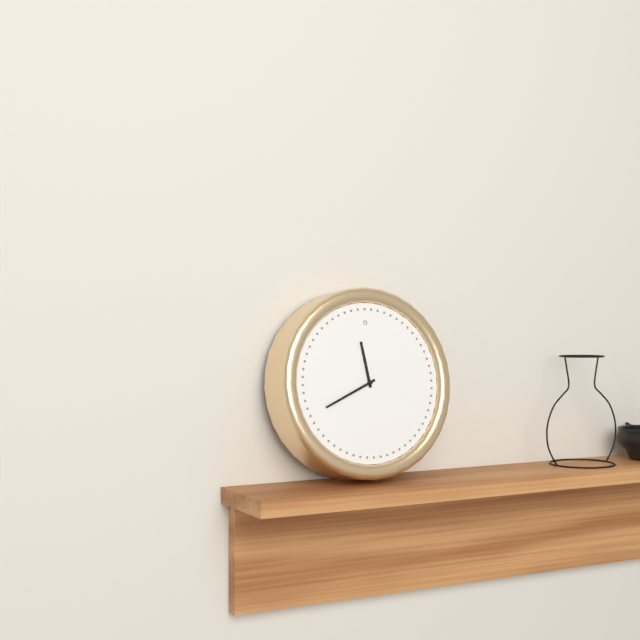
{"hour": 11, "minute": 41}
